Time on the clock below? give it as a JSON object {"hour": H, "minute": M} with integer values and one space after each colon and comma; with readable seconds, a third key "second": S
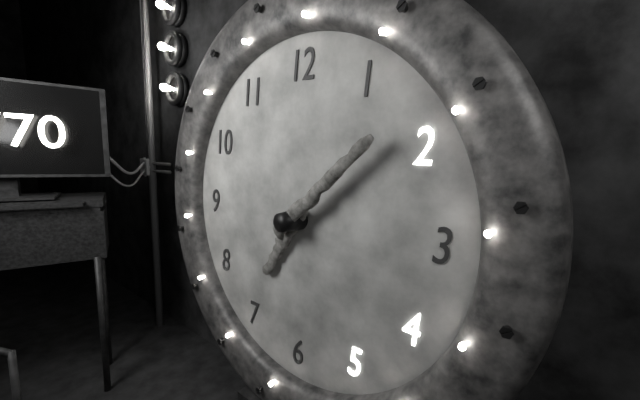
{"hour": 7, "minute": 8}
